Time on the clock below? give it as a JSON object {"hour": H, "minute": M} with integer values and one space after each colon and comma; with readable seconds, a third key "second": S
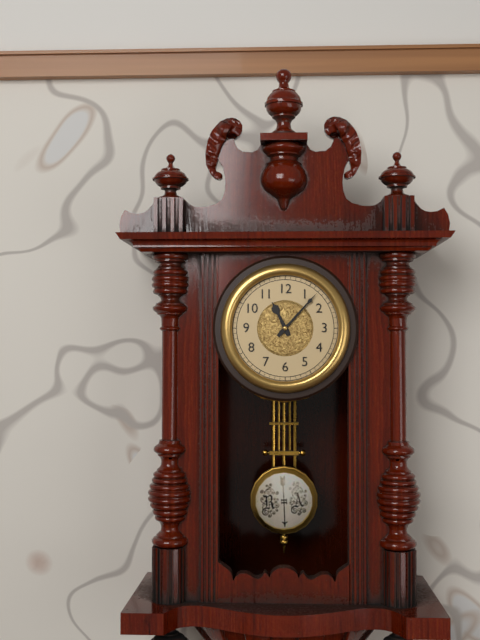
{"hour": 11, "minute": 7}
